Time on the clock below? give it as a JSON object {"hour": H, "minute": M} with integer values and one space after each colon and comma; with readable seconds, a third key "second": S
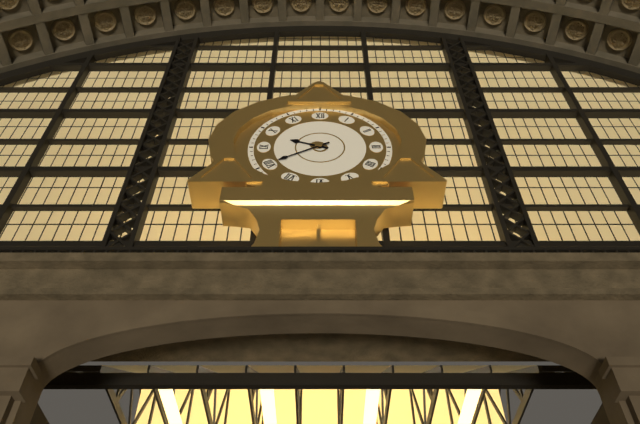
{"hour": 9, "minute": 40}
